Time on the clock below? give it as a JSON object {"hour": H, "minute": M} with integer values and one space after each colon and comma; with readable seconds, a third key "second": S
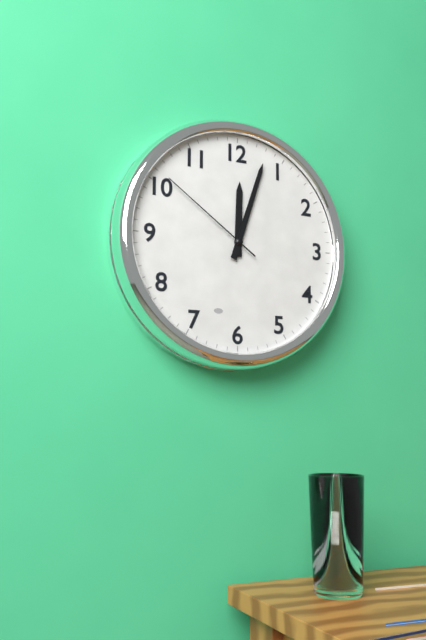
{"hour": 12, "minute": 3, "second": 51}
